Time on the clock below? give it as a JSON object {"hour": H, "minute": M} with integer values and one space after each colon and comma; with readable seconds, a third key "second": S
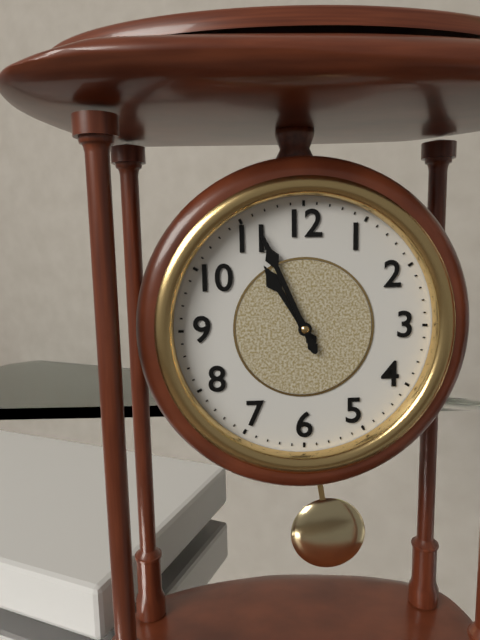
{"hour": 10, "minute": 56}
